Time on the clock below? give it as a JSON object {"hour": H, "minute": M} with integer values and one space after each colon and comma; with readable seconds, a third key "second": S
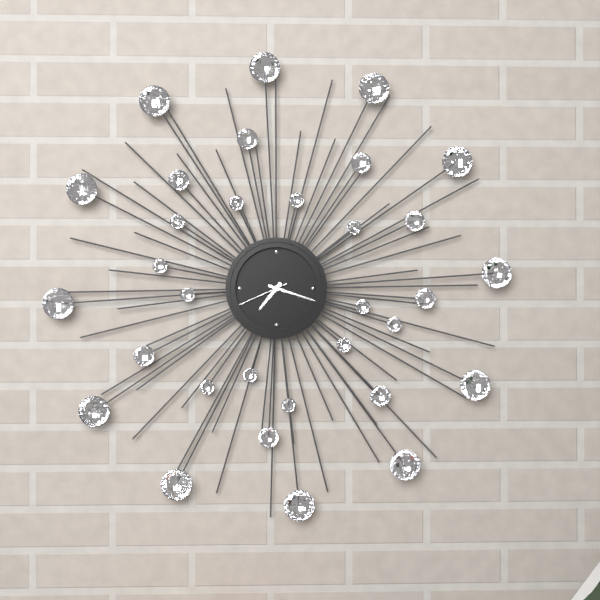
{"hour": 7, "minute": 18, "second": 41}
